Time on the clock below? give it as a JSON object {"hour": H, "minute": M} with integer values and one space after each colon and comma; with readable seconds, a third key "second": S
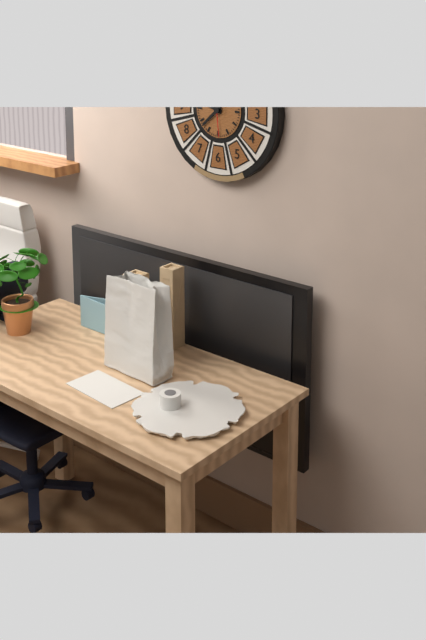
{"hour": 9, "minute": 38}
